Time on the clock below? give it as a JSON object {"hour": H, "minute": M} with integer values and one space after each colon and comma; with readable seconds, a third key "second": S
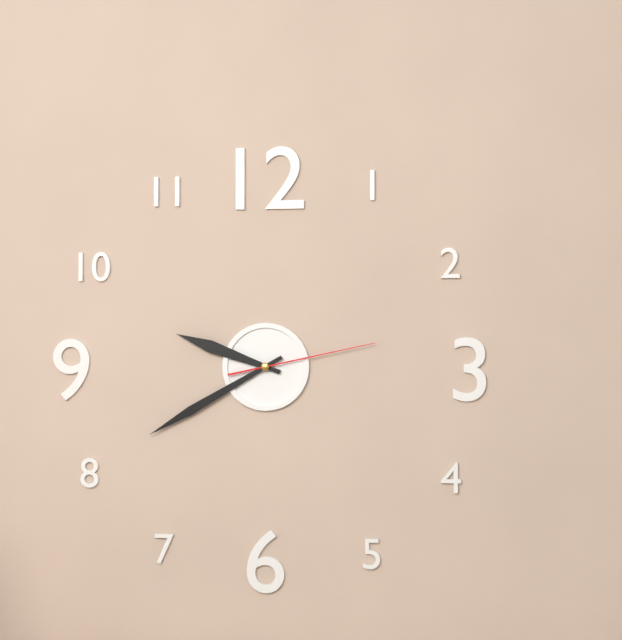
{"hour": 9, "minute": 40, "second": 13}
